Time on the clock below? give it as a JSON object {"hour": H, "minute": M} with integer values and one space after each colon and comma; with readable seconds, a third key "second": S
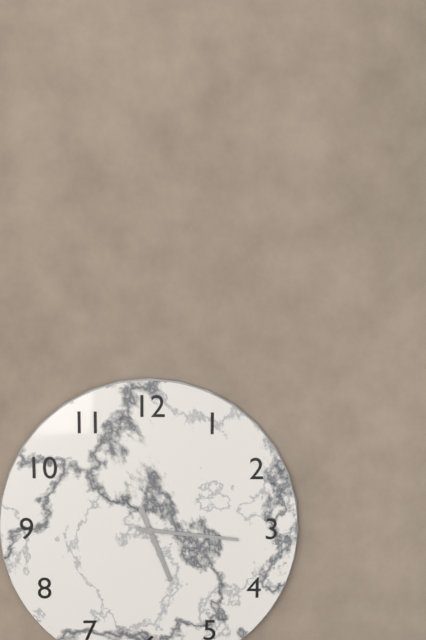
{"hour": 5, "minute": 16}
